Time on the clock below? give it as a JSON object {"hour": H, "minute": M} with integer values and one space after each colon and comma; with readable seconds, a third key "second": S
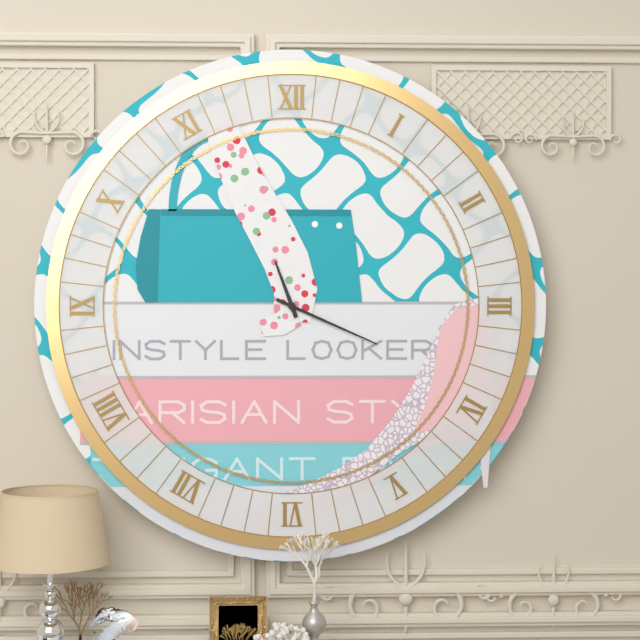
{"hour": 11, "minute": 19}
